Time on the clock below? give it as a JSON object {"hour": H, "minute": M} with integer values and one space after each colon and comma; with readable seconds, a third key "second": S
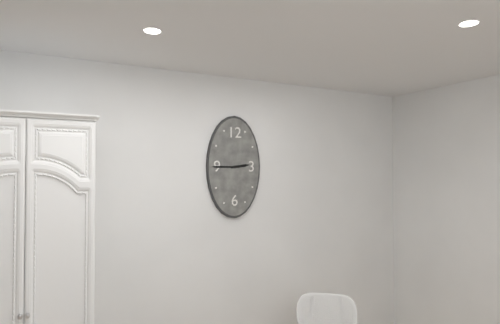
{"hour": 2, "minute": 45}
